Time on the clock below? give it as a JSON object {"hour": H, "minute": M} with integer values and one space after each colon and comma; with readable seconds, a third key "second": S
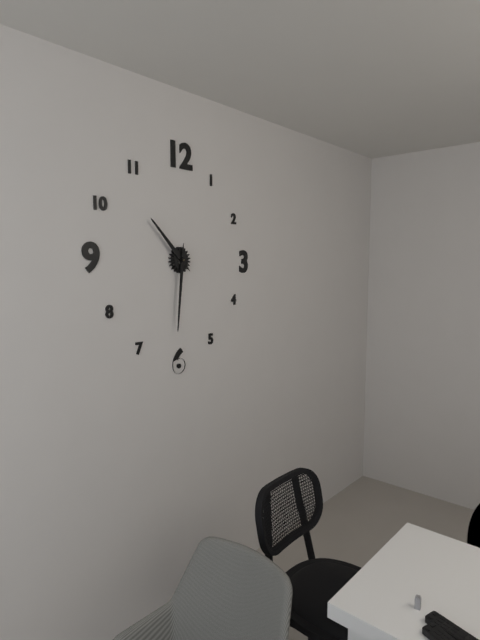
{"hour": 10, "minute": 31}
